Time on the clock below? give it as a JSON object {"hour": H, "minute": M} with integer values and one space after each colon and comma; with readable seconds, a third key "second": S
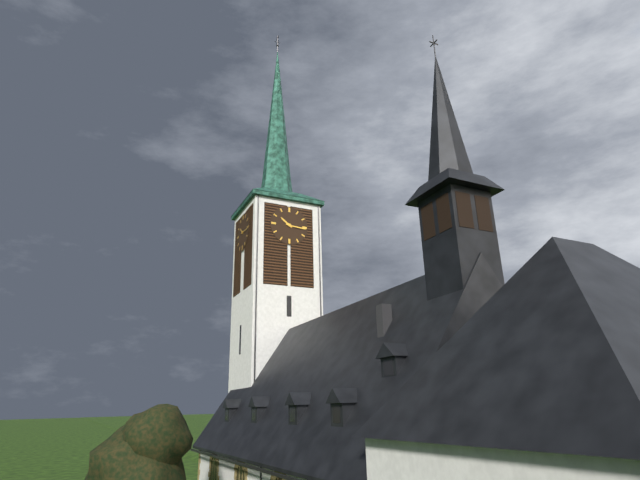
{"hour": 10, "minute": 16}
